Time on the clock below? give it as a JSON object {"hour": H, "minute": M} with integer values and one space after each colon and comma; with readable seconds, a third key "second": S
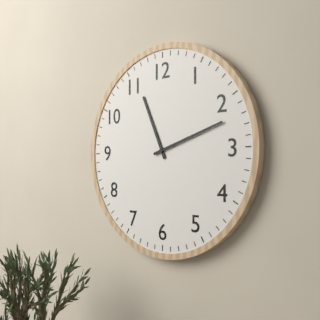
{"hour": 11, "minute": 12}
